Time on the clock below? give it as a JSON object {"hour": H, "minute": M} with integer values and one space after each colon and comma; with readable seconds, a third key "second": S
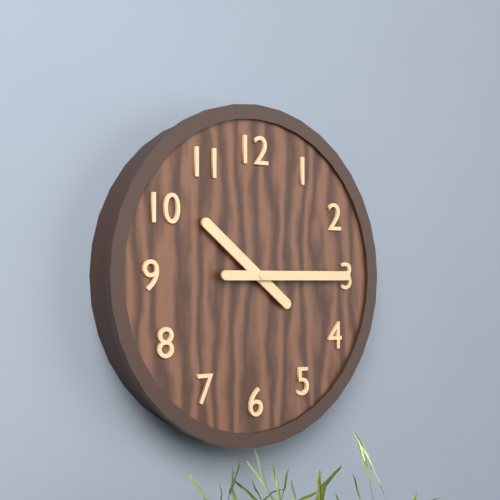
{"hour": 10, "minute": 15}
